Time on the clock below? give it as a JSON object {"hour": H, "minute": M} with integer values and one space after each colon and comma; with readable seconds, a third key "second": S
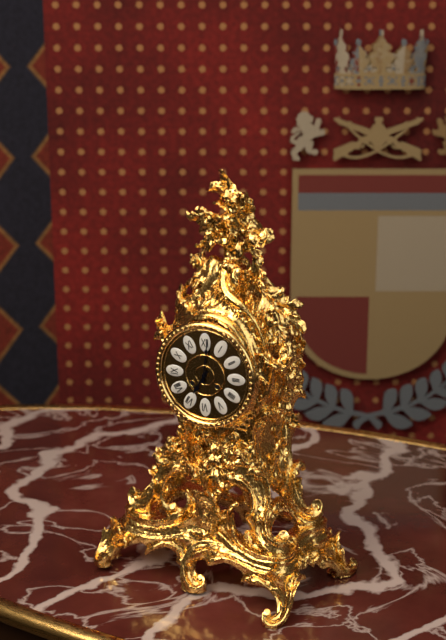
{"hour": 7, "minute": 1}
